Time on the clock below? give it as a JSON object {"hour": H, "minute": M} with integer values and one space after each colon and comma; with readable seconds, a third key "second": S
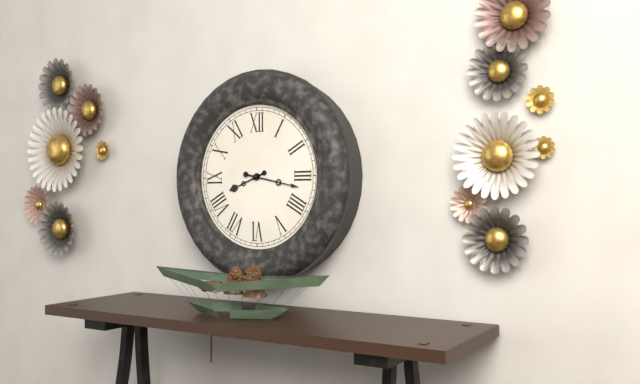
{"hour": 8, "minute": 17}
